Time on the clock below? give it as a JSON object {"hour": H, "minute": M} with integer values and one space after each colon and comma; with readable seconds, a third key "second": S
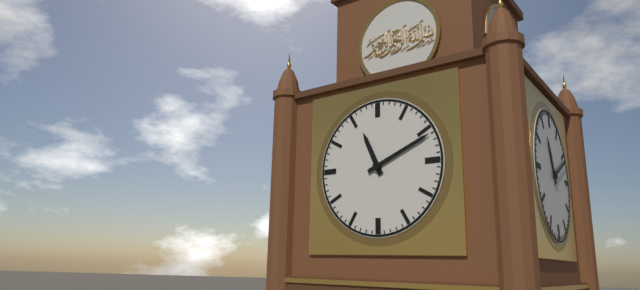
{"hour": 11, "minute": 11}
